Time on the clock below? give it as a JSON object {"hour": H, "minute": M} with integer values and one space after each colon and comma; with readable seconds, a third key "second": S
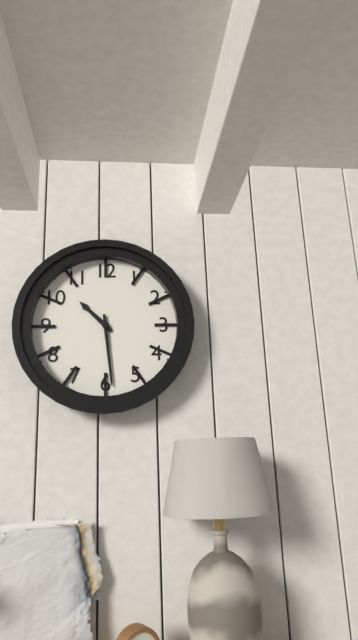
{"hour": 10, "minute": 29}
